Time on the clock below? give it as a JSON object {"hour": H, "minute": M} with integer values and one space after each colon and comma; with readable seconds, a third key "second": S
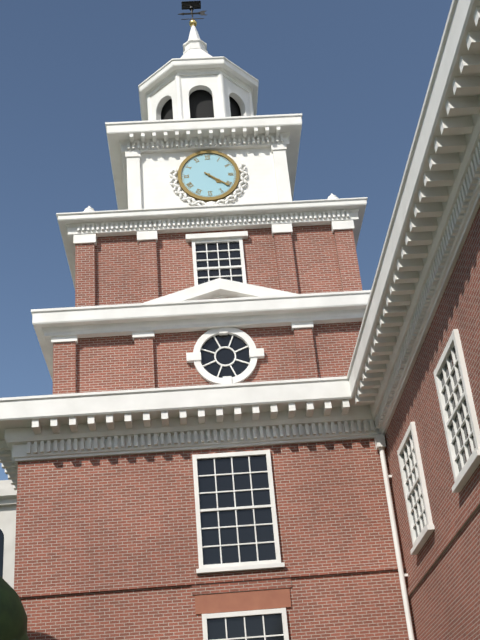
{"hour": 4, "minute": 21}
